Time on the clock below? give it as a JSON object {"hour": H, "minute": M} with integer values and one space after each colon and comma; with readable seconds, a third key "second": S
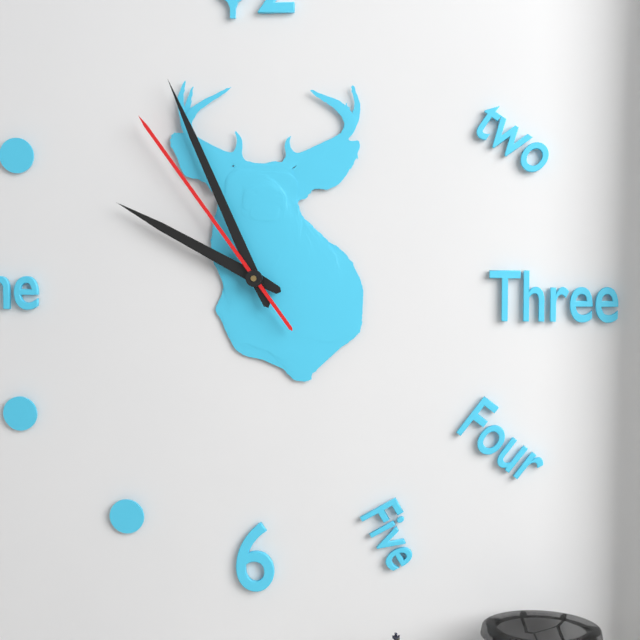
{"hour": 9, "minute": 56, "second": 54}
